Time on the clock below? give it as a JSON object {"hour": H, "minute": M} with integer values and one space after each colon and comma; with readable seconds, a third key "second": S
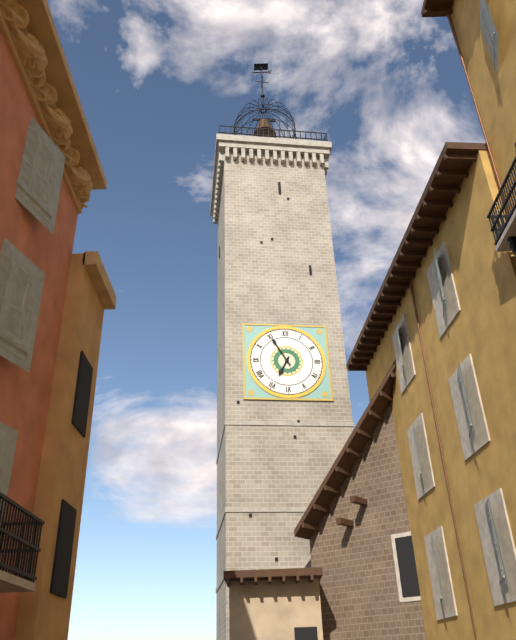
{"hour": 6, "minute": 55}
